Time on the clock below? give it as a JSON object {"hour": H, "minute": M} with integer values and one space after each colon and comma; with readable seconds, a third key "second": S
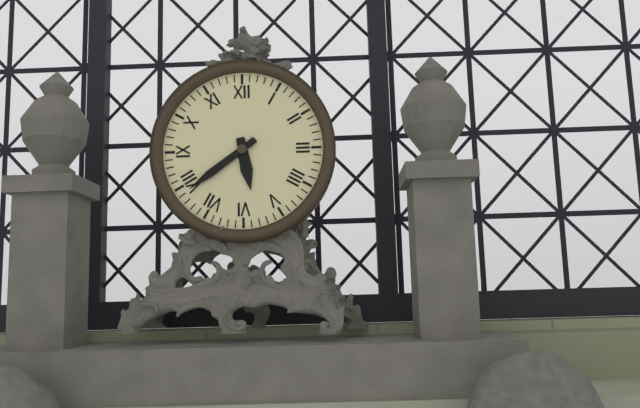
{"hour": 5, "minute": 39}
